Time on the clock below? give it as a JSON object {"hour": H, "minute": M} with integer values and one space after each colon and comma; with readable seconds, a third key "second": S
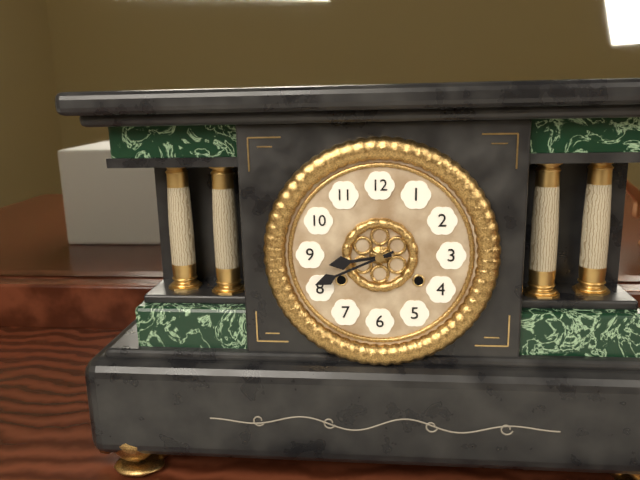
{"hour": 8, "minute": 41}
